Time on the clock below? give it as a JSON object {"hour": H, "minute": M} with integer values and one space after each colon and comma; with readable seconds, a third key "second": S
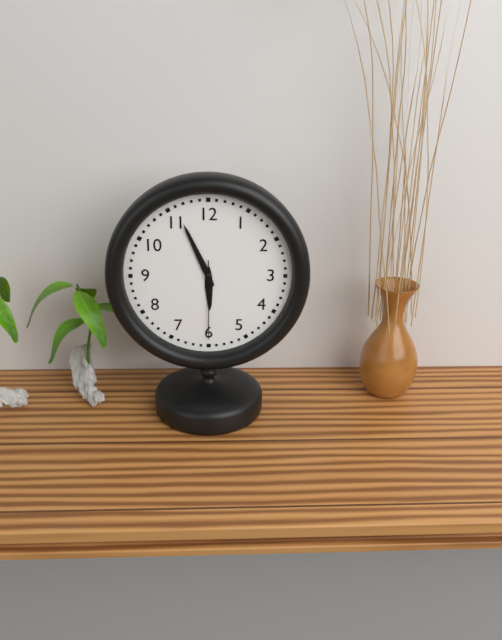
{"hour": 5, "minute": 56, "second": 30}
